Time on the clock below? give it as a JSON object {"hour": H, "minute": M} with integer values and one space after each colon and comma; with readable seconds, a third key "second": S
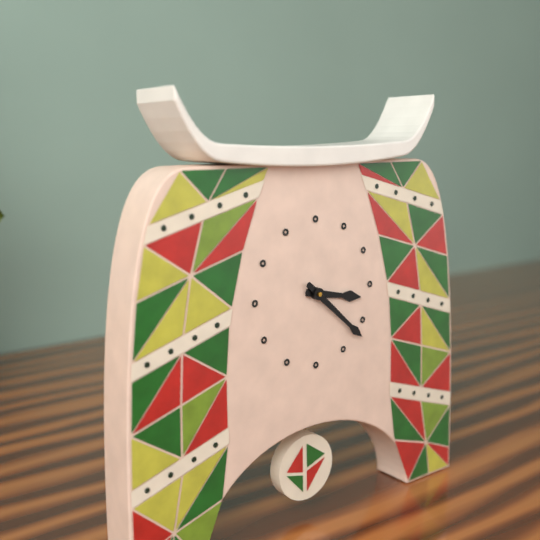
{"hour": 3, "minute": 22}
